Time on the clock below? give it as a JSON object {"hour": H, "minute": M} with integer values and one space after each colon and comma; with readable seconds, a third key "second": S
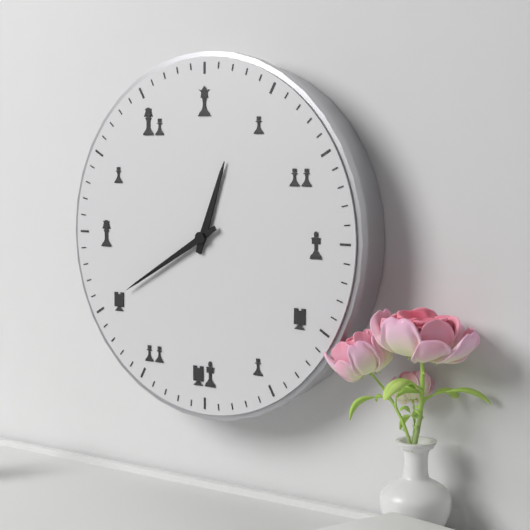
{"hour": 12, "minute": 40}
